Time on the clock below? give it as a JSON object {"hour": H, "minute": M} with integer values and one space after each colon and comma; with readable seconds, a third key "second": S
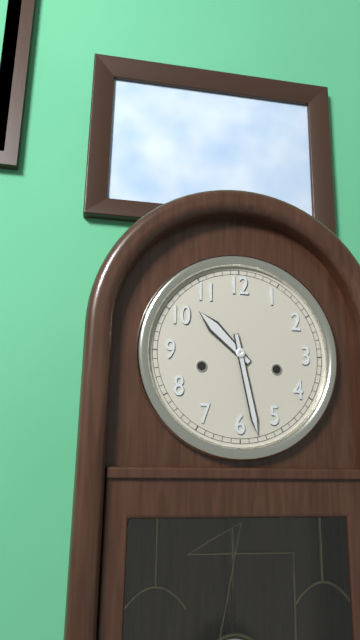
{"hour": 10, "minute": 28}
